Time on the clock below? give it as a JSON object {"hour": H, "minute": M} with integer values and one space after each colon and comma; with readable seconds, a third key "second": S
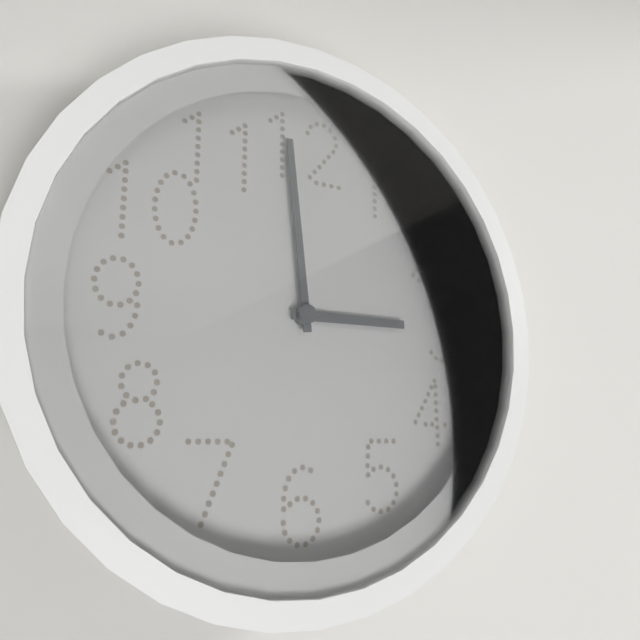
{"hour": 2, "minute": 59}
